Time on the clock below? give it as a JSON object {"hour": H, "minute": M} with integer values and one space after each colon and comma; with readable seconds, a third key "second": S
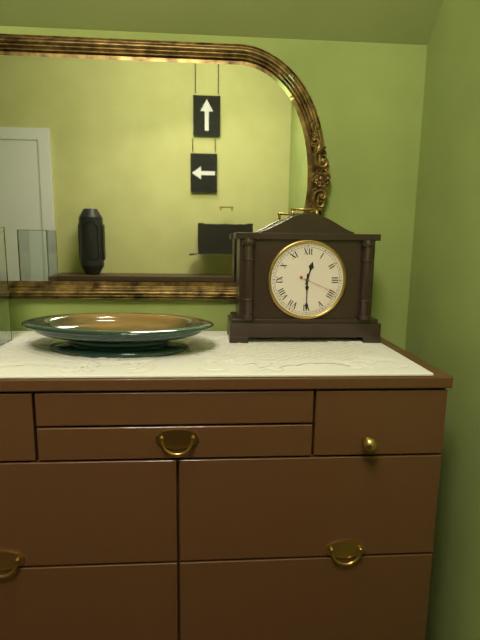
{"hour": 12, "minute": 30}
